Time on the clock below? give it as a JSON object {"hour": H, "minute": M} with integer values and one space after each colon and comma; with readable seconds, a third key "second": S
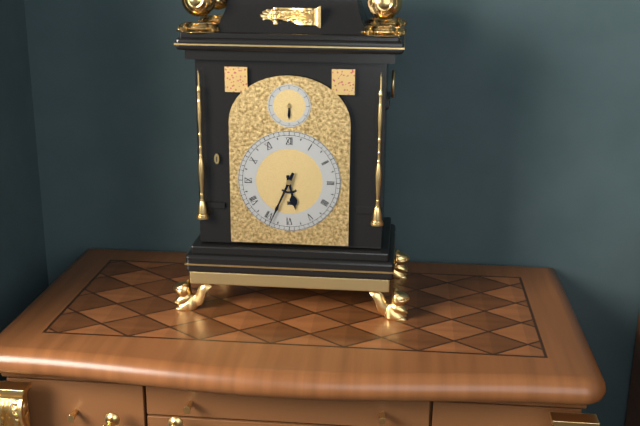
{"hour": 5, "minute": 34}
